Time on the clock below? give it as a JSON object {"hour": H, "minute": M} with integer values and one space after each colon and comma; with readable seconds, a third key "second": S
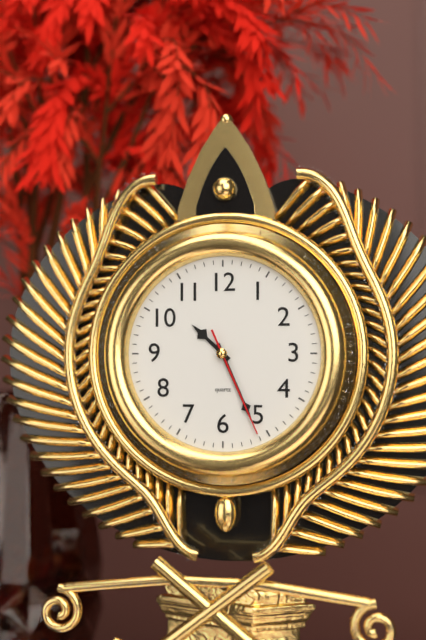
{"hour": 10, "minute": 26, "second": 26}
